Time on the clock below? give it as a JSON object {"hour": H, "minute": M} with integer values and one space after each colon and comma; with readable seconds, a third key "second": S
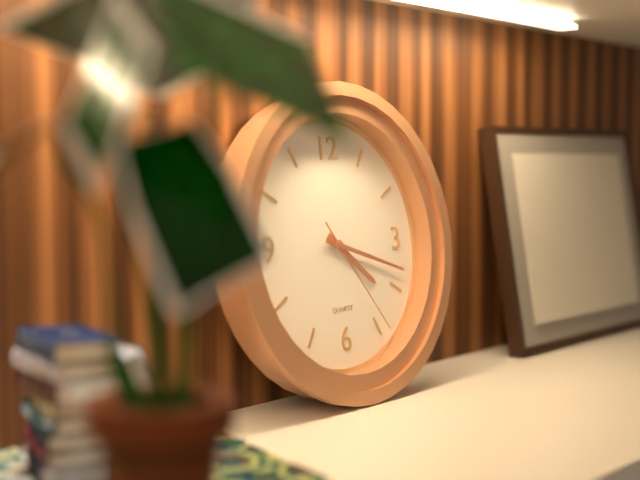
{"hour": 4, "minute": 18, "second": 24}
